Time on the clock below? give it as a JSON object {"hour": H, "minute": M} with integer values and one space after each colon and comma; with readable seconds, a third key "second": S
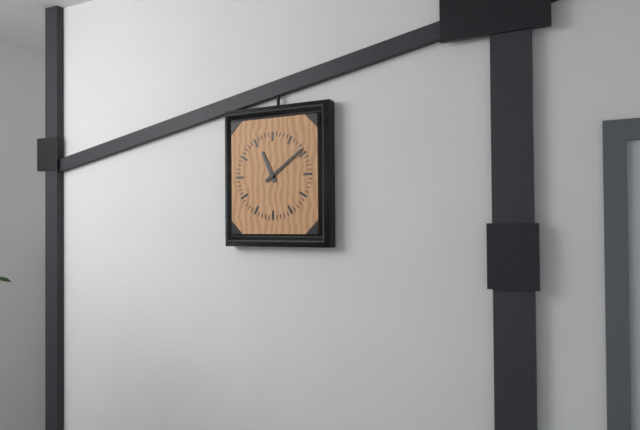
{"hour": 11, "minute": 9}
